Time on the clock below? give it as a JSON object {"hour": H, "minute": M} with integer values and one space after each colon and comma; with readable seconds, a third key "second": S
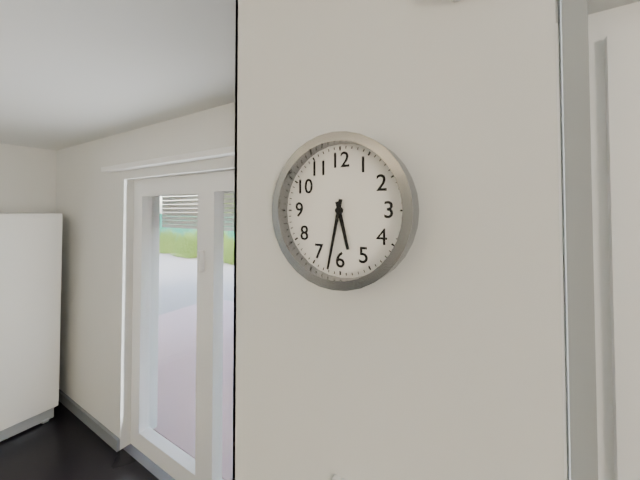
{"hour": 5, "minute": 32}
